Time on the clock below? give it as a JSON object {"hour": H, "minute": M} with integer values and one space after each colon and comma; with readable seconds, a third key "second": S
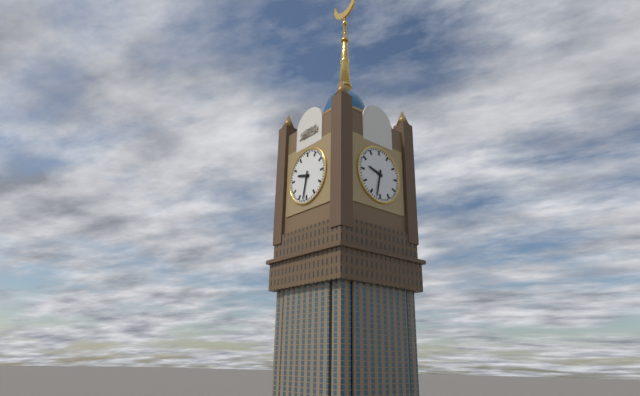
{"hour": 9, "minute": 32}
